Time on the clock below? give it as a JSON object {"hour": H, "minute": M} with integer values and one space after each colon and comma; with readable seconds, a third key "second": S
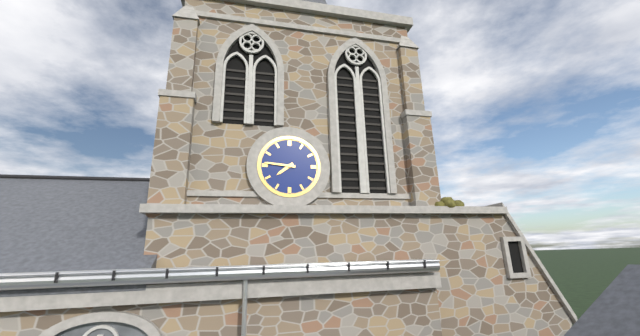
{"hour": 7, "minute": 46}
